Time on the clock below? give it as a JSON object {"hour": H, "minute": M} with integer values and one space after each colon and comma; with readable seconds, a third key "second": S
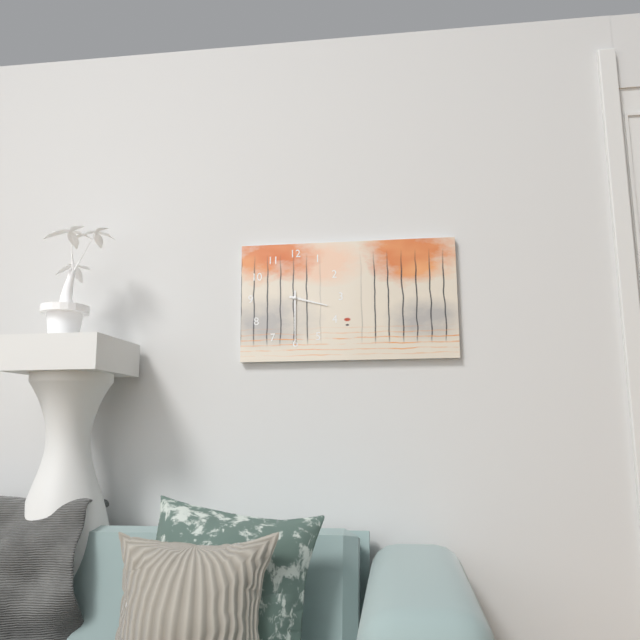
{"hour": 3, "minute": 30}
